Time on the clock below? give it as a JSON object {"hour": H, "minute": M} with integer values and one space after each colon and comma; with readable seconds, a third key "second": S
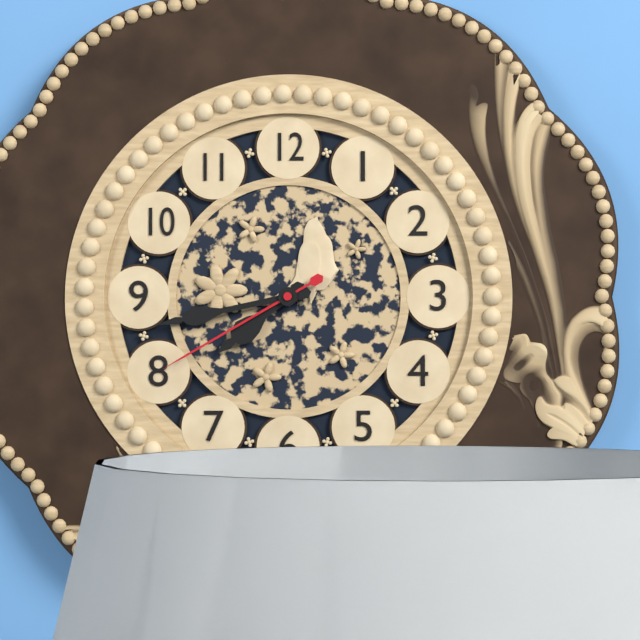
{"hour": 7, "minute": 43, "second": 40}
